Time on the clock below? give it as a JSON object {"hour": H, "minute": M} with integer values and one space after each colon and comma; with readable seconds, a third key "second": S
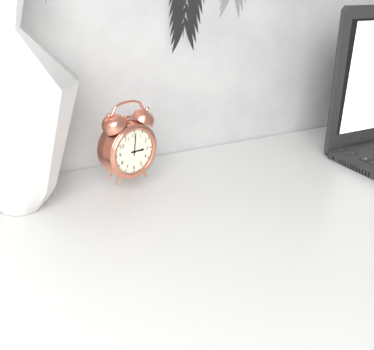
{"hour": 3, "minute": 1}
